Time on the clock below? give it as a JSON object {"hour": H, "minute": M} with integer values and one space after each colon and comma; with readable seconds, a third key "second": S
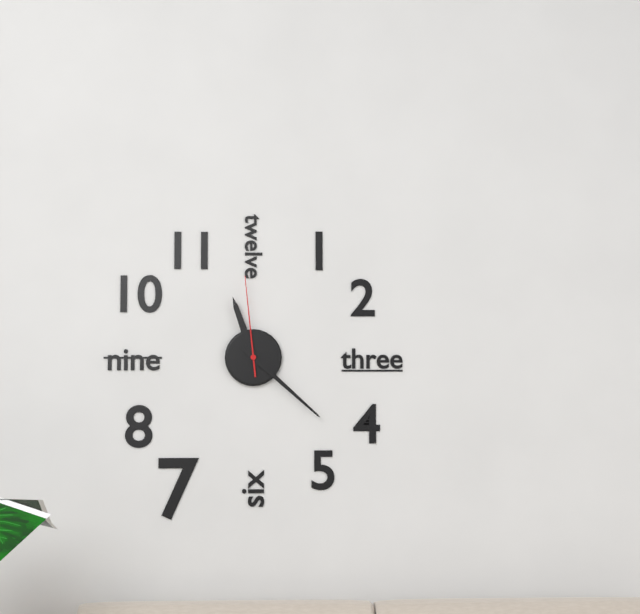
{"hour": 11, "minute": 22, "second": 59}
